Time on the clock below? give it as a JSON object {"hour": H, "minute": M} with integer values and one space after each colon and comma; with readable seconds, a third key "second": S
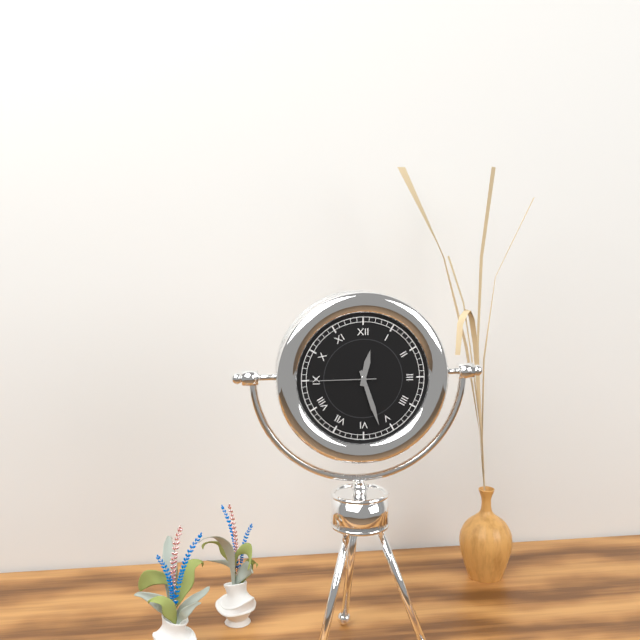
{"hour": 12, "minute": 27, "second": 45}
